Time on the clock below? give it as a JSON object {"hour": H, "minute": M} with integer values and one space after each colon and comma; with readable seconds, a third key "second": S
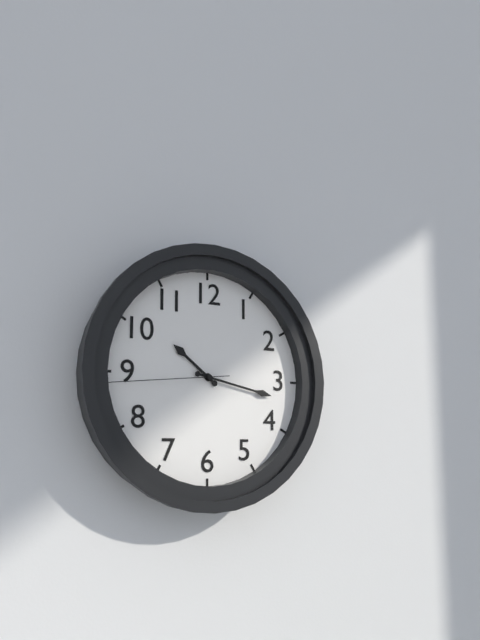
{"hour": 10, "minute": 17, "second": 44}
